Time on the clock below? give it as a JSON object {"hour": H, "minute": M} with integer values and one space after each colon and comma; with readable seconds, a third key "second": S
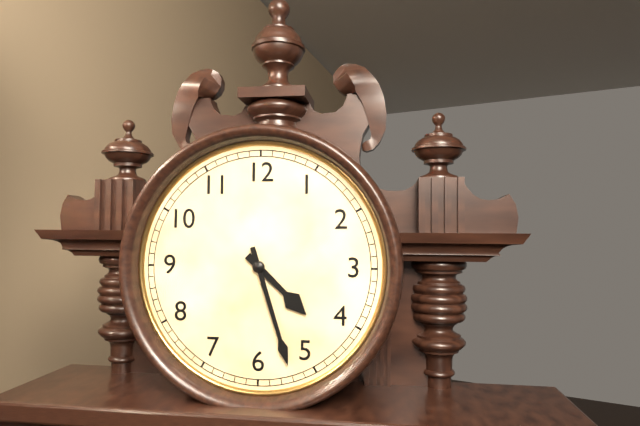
{"hour": 4, "minute": 27}
